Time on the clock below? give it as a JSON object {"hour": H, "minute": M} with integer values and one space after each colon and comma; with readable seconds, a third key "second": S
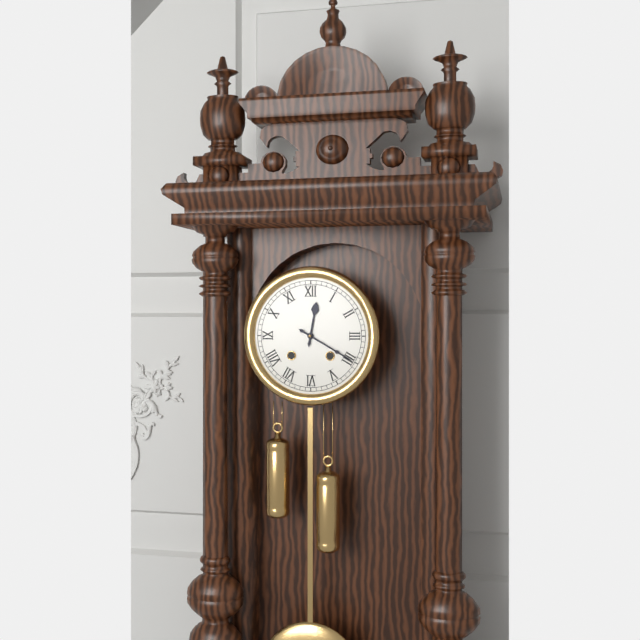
{"hour": 12, "minute": 20}
